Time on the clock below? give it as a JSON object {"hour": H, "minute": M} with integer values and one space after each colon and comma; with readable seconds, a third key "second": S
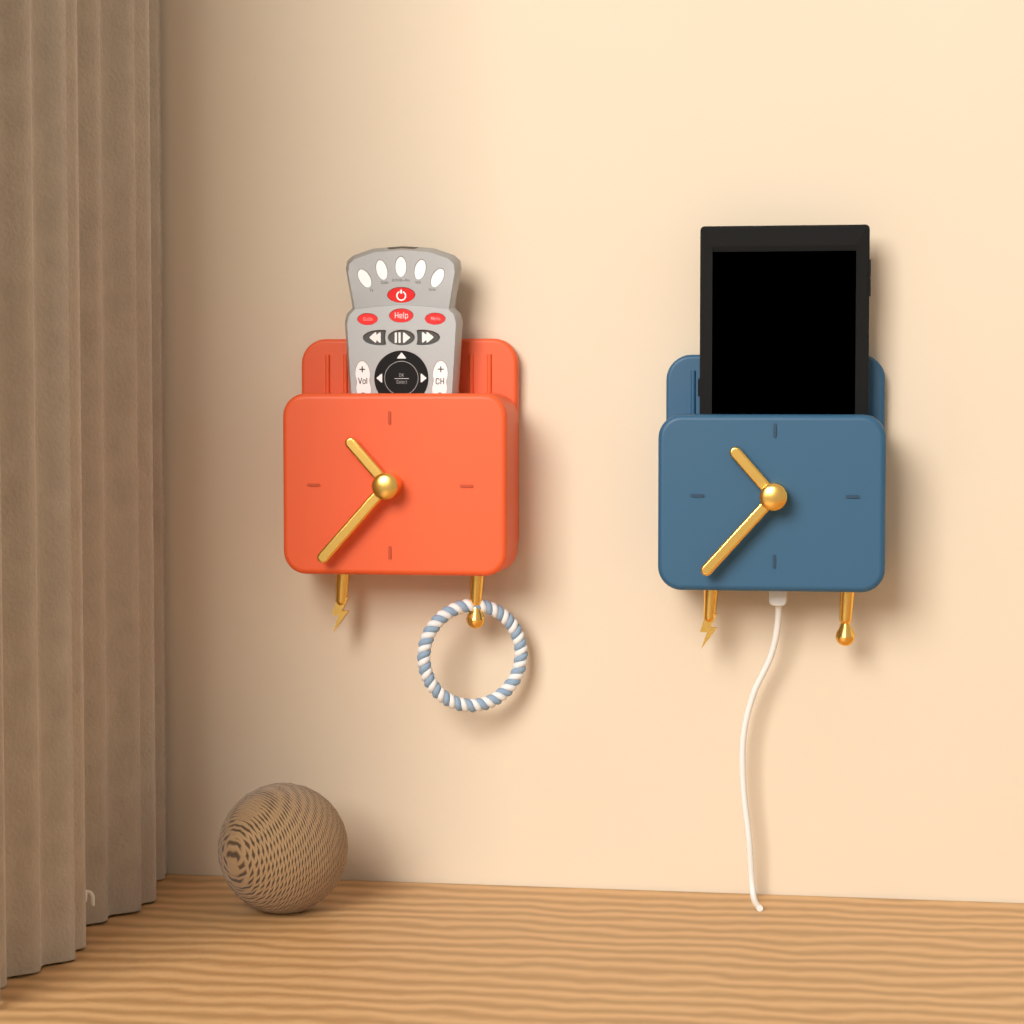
{"hour": 10, "minute": 37}
